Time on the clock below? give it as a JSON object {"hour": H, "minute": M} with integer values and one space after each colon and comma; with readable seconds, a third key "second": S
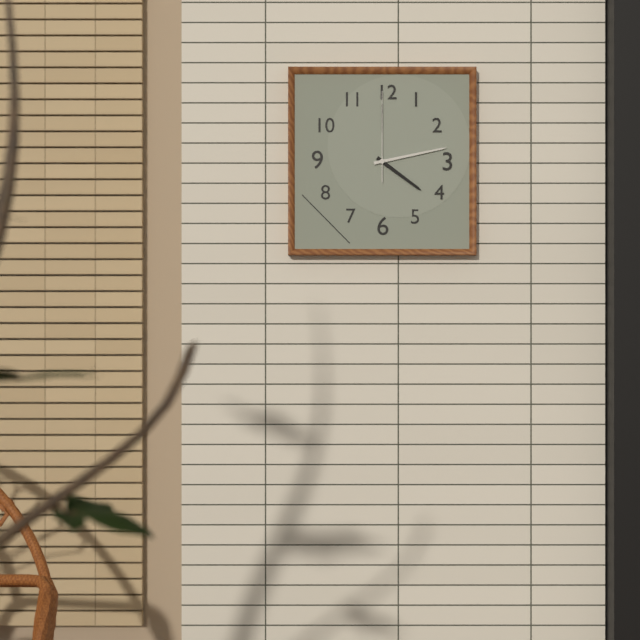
{"hour": 4, "minute": 13, "second": 0}
